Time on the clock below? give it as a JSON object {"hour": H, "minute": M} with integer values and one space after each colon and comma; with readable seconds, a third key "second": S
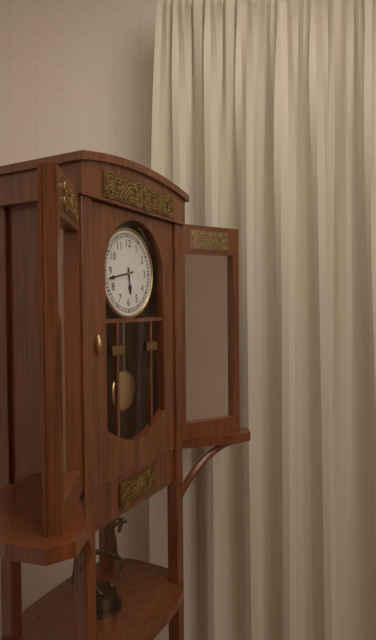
{"hour": 5, "minute": 43}
